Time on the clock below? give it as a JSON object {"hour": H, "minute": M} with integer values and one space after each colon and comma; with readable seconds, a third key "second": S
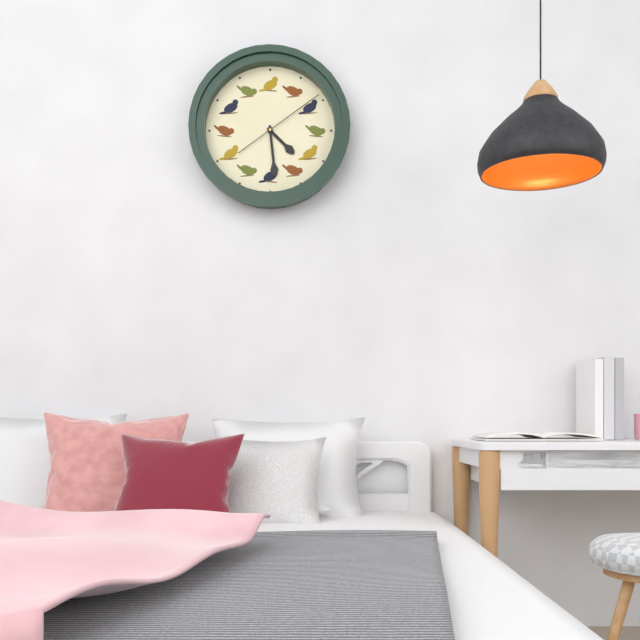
{"hour": 4, "minute": 29, "second": 9}
